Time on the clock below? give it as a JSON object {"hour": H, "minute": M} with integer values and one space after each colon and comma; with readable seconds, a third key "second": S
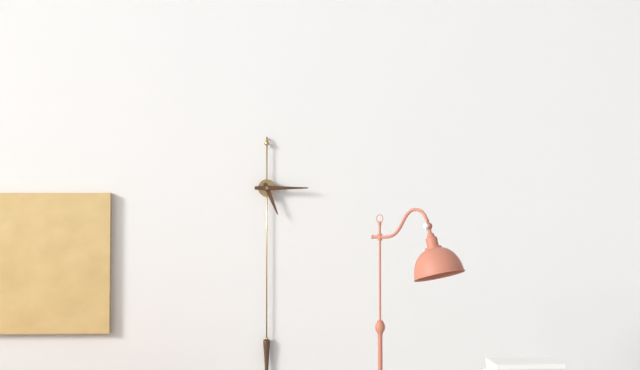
{"hour": 5, "minute": 15}
